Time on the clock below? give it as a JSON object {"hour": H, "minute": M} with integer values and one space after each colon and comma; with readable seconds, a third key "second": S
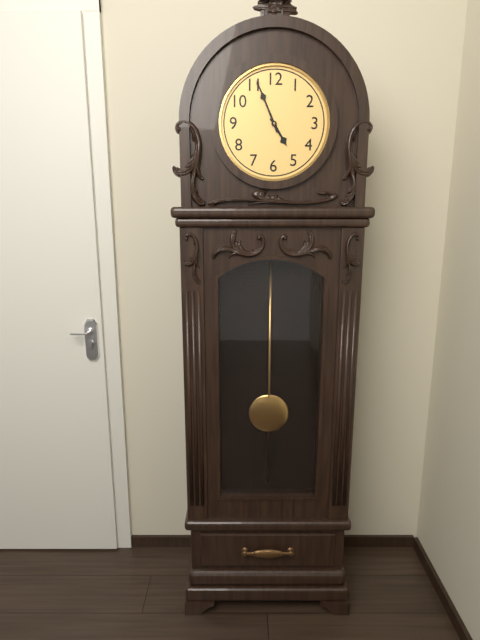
{"hour": 4, "minute": 56}
